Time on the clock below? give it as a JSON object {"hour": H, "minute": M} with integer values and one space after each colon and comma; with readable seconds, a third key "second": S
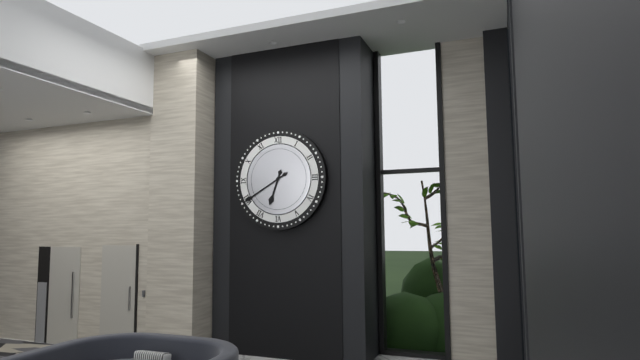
{"hour": 6, "minute": 40}
